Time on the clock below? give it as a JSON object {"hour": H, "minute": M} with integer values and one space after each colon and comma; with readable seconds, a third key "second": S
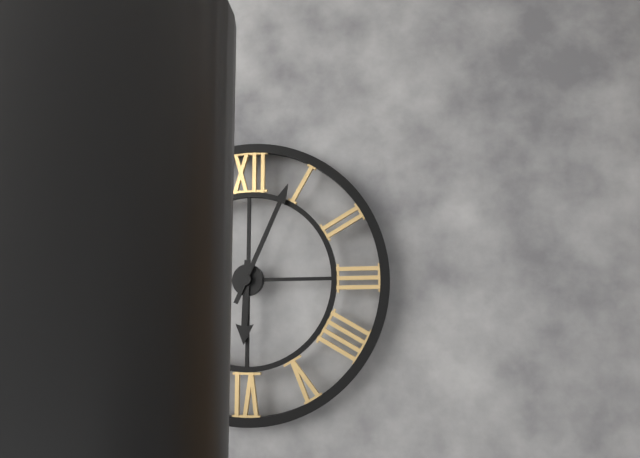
{"hour": 6, "minute": 4}
